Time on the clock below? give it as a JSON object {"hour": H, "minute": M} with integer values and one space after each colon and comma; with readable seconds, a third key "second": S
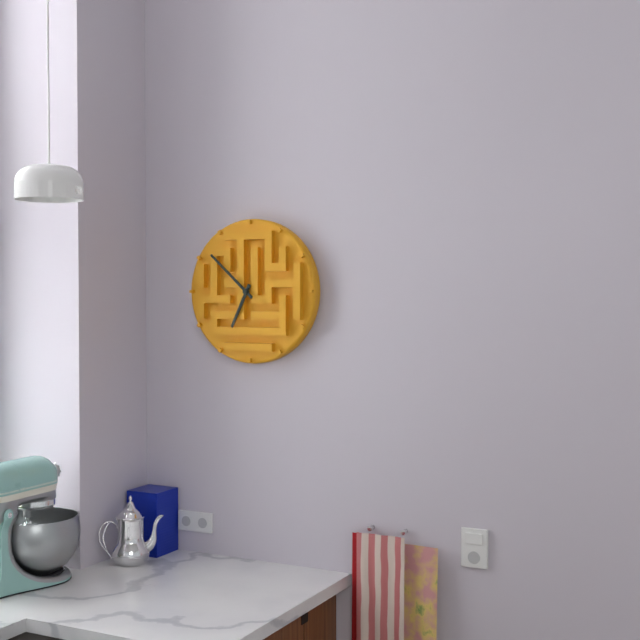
{"hour": 6, "minute": 52}
